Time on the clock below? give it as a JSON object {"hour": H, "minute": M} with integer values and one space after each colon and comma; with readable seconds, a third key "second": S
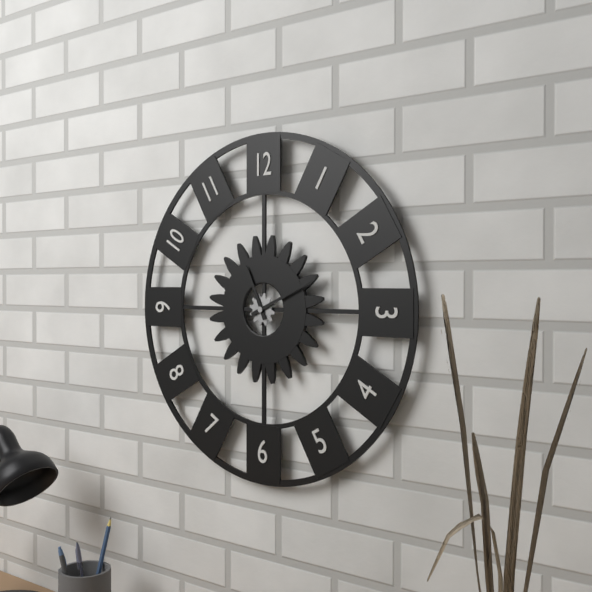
{"hour": 11, "minute": 11}
